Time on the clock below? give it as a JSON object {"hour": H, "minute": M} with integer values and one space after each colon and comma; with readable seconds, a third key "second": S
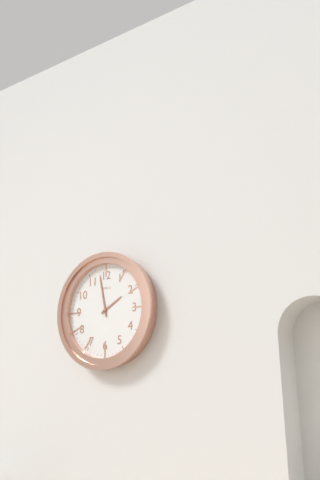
{"hour": 1, "minute": 58}
